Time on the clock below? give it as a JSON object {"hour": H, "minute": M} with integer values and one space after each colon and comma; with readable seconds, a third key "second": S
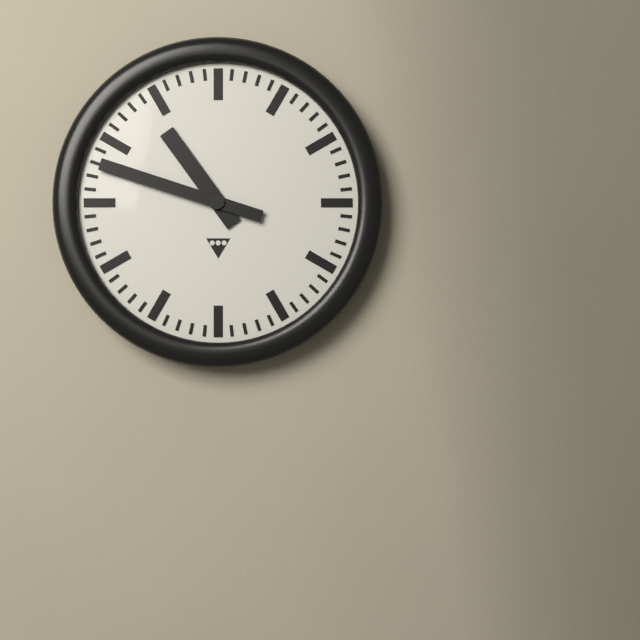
{"hour": 10, "minute": 48}
